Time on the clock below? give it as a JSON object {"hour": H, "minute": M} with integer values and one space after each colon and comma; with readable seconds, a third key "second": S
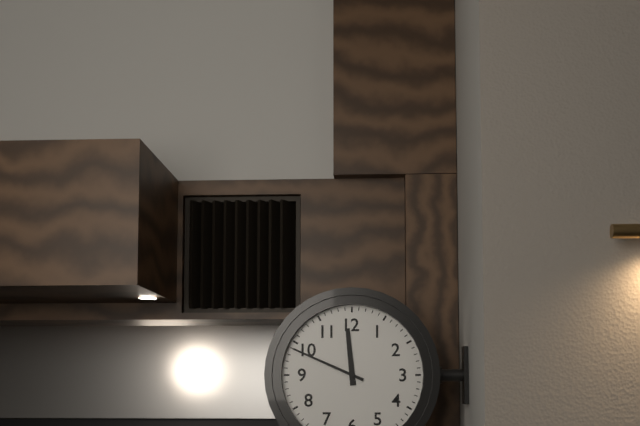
{"hour": 11, "minute": 49}
